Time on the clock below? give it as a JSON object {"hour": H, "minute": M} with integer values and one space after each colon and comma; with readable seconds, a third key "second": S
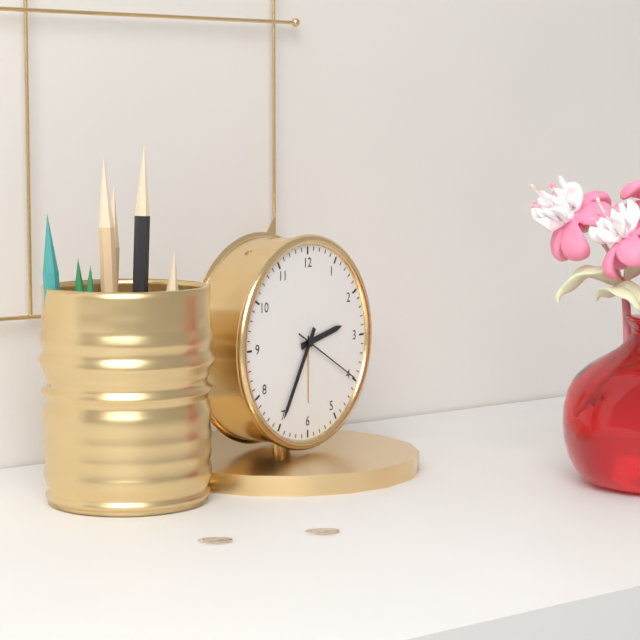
{"hour": 2, "minute": 35, "second": 20}
